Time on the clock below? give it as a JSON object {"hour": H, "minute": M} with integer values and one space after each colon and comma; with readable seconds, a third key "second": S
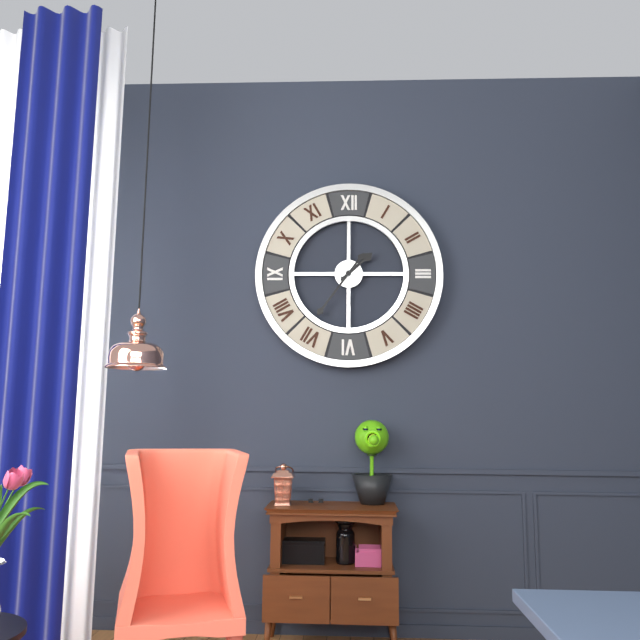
{"hour": 1, "minute": 36}
